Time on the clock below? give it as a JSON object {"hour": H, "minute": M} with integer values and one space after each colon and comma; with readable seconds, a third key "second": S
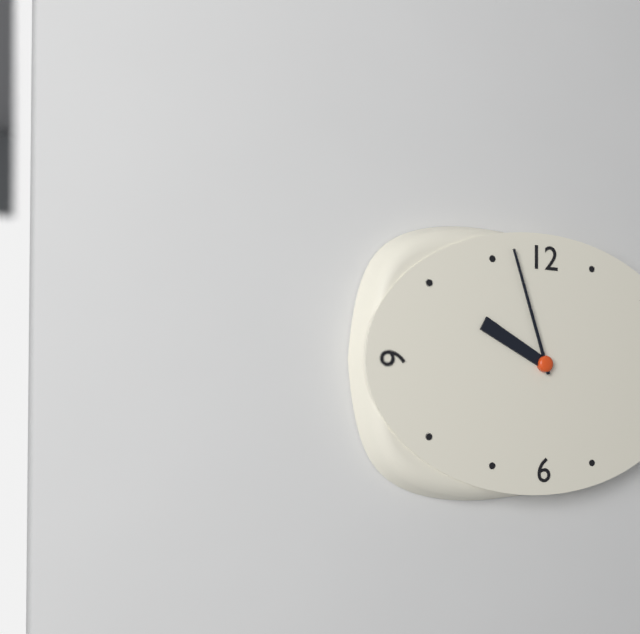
{"hour": 9, "minute": 57}
